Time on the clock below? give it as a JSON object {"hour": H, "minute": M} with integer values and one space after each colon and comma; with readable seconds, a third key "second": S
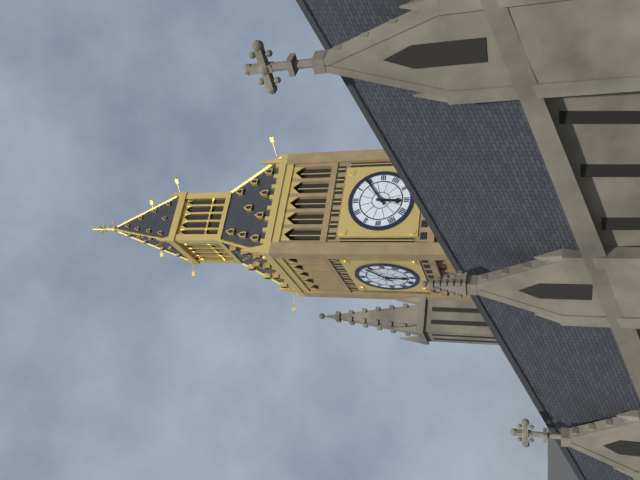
{"hour": 6, "minute": 9}
